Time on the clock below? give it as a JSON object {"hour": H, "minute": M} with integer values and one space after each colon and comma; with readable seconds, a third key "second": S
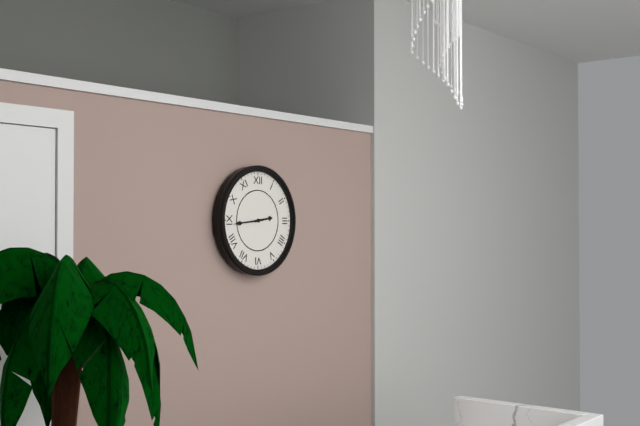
{"hour": 2, "minute": 44}
